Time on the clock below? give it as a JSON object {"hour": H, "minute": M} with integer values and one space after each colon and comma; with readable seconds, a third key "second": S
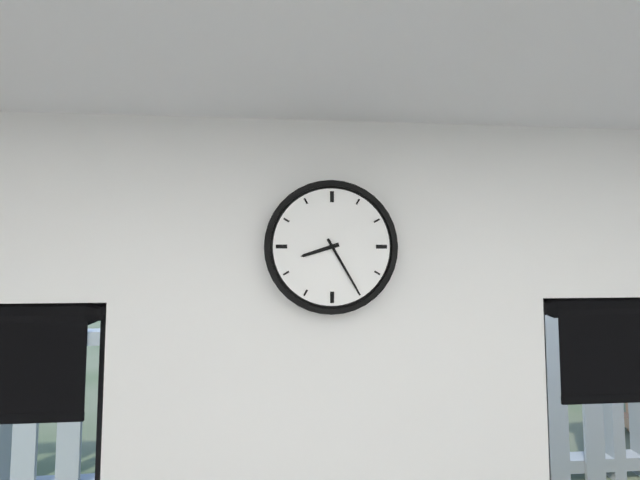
{"hour": 8, "minute": 25}
